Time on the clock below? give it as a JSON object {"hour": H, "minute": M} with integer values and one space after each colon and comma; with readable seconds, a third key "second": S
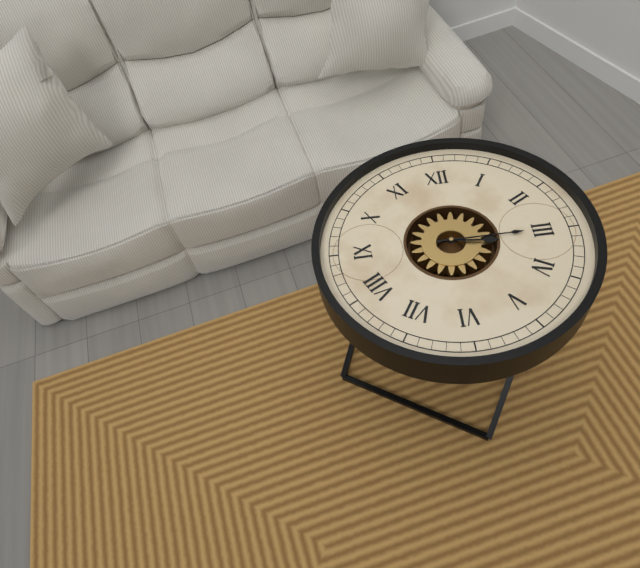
{"hour": 3, "minute": 15}
